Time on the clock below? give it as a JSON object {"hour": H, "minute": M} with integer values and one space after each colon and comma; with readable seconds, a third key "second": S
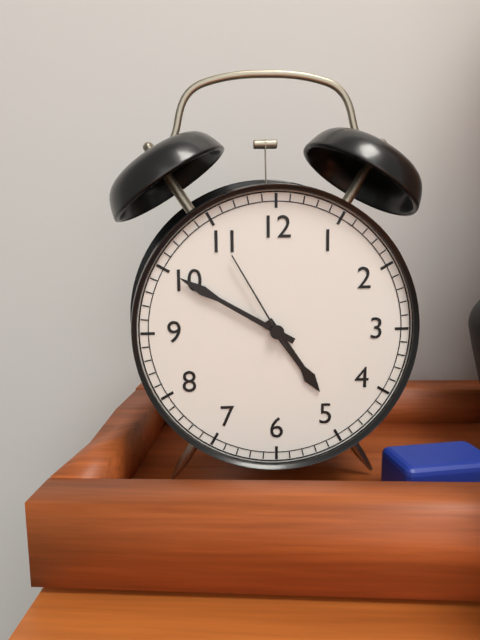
{"hour": 4, "minute": 50, "second": 55}
